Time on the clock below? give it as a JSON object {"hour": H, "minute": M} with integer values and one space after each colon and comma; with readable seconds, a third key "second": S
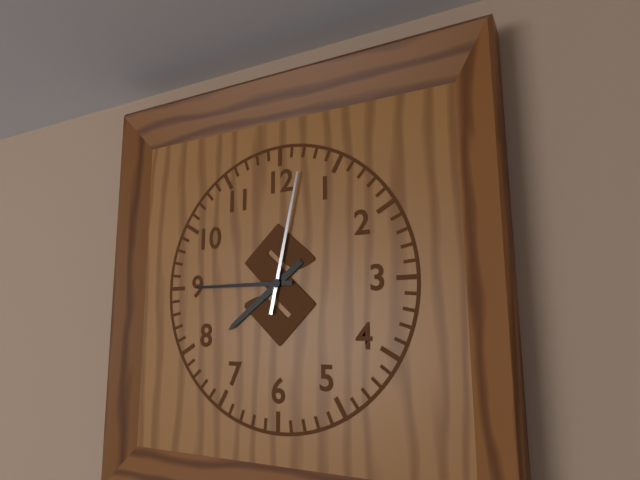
{"hour": 7, "minute": 45, "second": 2}
